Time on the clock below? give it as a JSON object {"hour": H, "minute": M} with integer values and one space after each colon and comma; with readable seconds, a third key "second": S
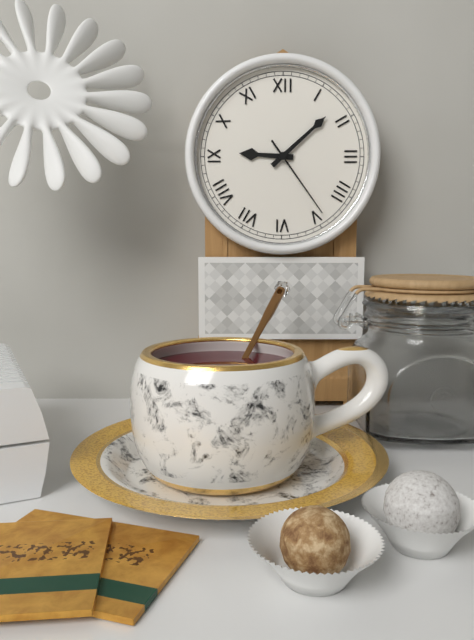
{"hour": 9, "minute": 8, "second": 24}
